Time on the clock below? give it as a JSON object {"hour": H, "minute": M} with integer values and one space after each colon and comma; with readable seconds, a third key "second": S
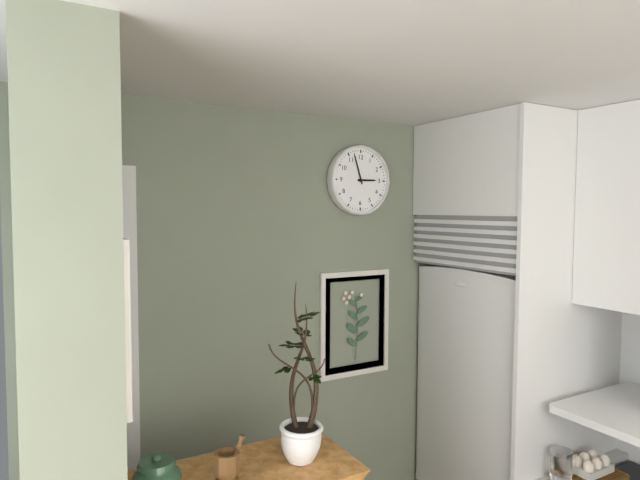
{"hour": 2, "minute": 57}
